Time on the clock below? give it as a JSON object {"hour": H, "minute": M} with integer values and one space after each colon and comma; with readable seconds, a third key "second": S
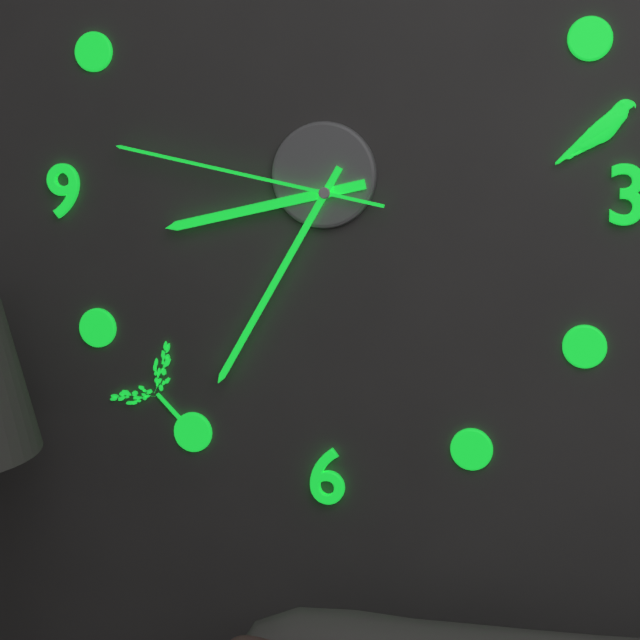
{"hour": 8, "minute": 35, "second": 47}
